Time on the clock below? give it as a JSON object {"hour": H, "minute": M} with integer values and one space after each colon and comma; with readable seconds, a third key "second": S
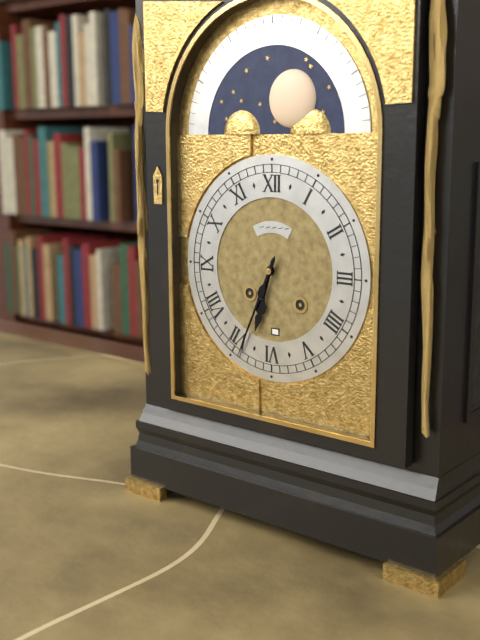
{"hour": 6, "minute": 34}
